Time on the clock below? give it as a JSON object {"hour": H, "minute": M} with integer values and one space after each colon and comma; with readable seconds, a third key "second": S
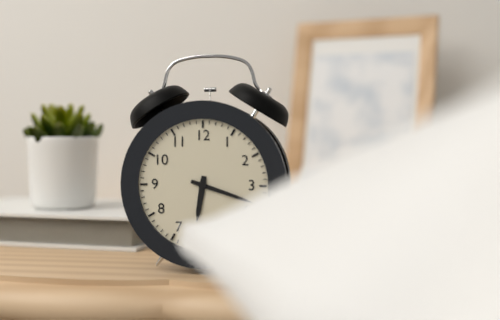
{"hour": 6, "minute": 18}
